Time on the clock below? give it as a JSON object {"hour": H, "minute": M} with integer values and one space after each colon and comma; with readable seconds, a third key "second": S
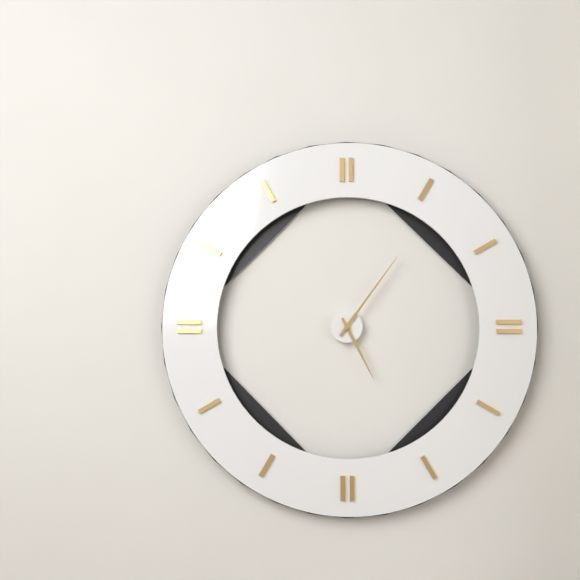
{"hour": 5, "minute": 6}
